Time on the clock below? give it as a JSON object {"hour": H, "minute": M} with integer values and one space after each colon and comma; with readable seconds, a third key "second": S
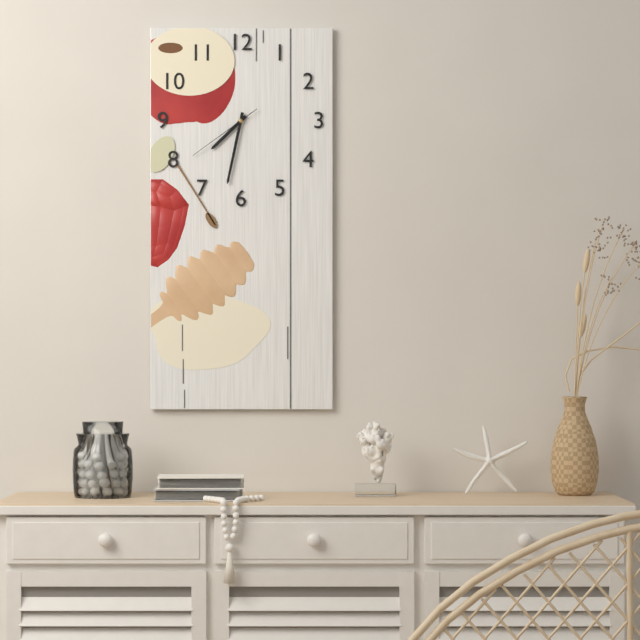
{"hour": 7, "minute": 32, "second": 39}
